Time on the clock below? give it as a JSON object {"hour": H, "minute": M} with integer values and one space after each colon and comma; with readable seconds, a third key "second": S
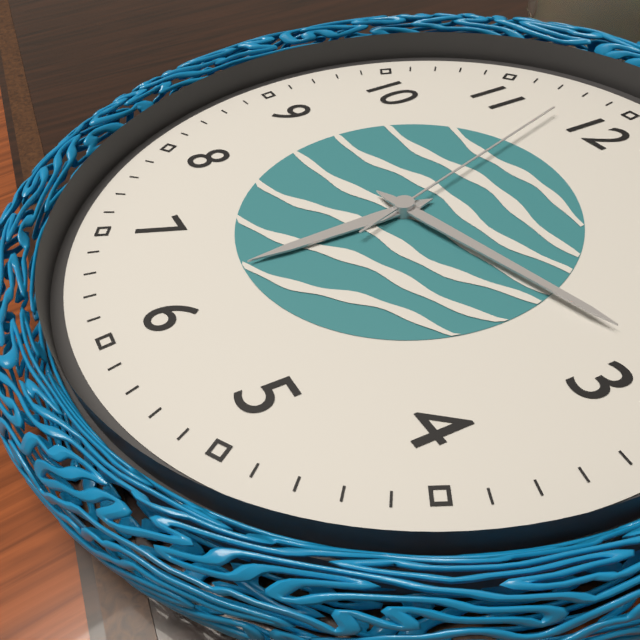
{"hour": 6, "minute": 13, "second": 58}
